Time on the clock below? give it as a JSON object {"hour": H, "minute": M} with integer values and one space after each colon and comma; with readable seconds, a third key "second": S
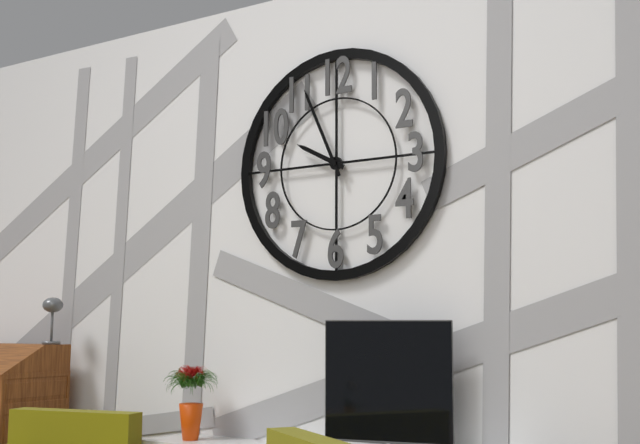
{"hour": 9, "minute": 56}
